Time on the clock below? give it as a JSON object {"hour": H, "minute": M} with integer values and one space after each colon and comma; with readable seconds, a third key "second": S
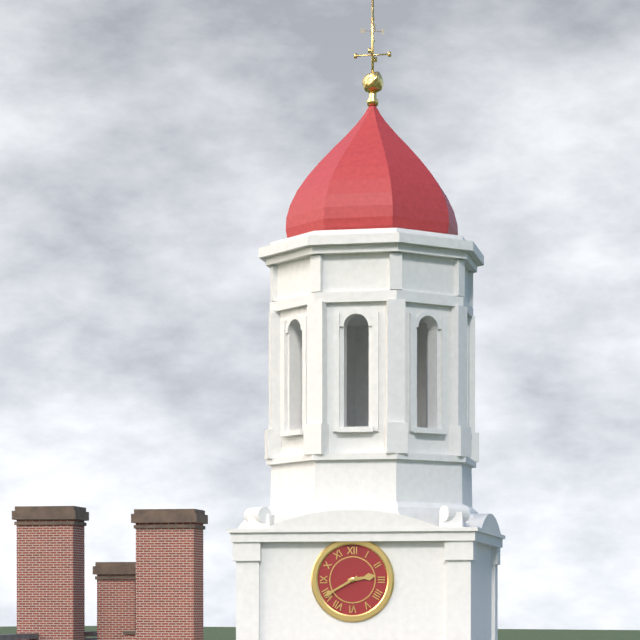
{"hour": 2, "minute": 40}
